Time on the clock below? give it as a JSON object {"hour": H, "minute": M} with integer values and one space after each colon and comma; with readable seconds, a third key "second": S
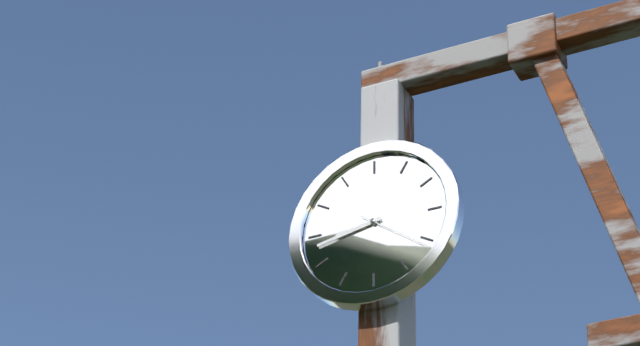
{"hour": 8, "minute": 43, "second": 21}
